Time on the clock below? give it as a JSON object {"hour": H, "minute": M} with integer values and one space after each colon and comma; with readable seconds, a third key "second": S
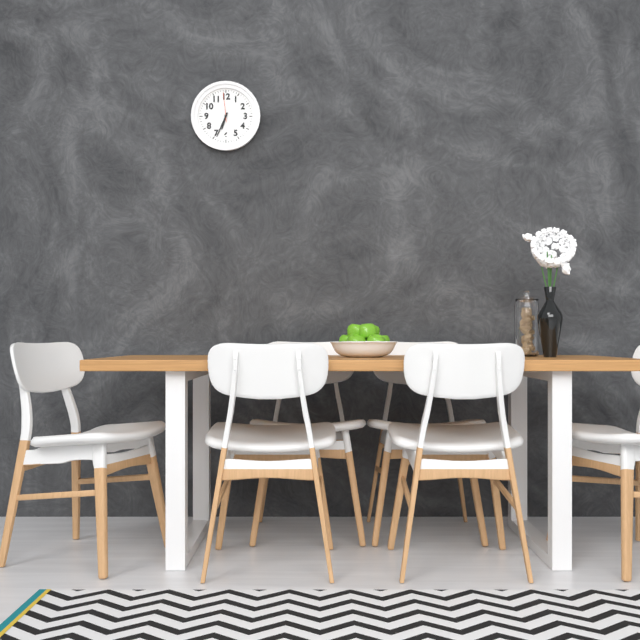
{"hour": 6, "minute": 34}
